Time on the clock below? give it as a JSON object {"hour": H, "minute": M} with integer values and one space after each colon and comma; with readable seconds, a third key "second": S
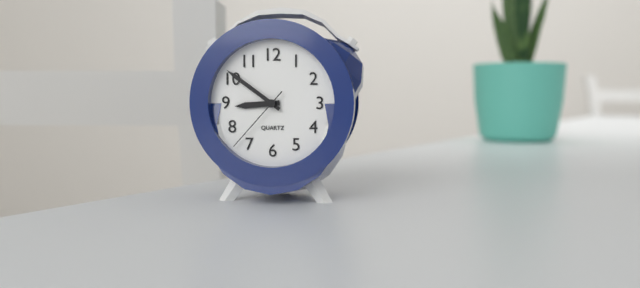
{"hour": 8, "minute": 51, "second": 37}
